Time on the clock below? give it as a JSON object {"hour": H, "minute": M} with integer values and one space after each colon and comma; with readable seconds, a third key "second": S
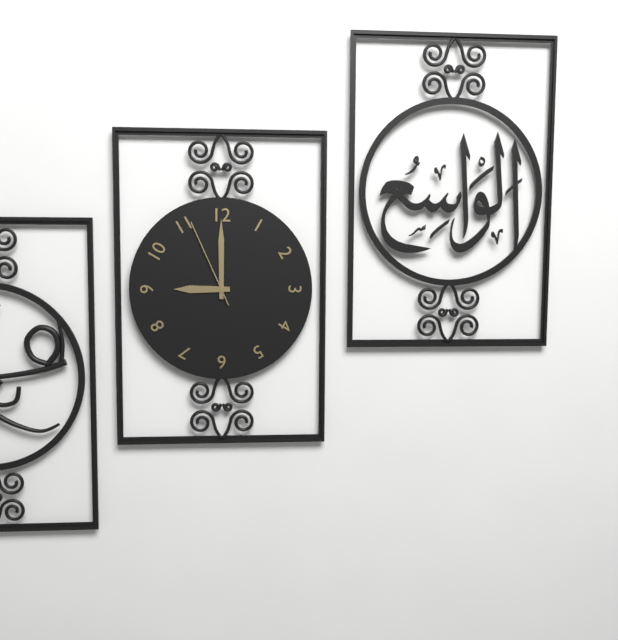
{"hour": 9, "minute": 0, "second": 56}
